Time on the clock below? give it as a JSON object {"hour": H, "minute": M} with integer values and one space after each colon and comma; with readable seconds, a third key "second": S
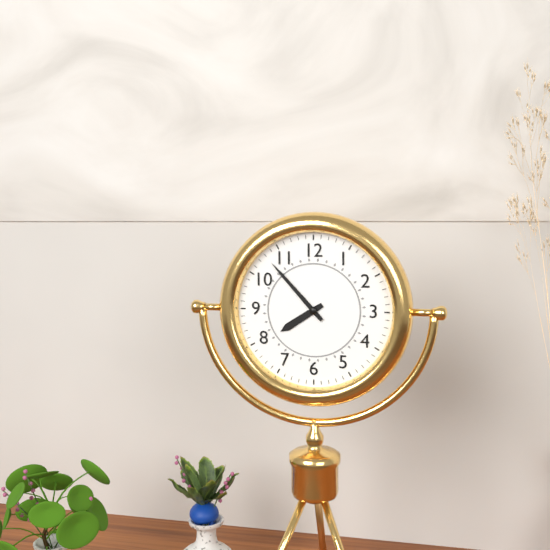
{"hour": 7, "minute": 53}
